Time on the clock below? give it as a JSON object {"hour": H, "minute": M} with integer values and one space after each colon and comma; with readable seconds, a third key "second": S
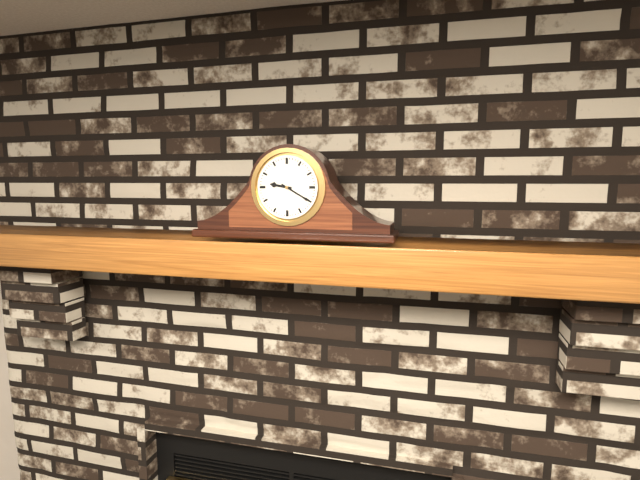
{"hour": 9, "minute": 20}
